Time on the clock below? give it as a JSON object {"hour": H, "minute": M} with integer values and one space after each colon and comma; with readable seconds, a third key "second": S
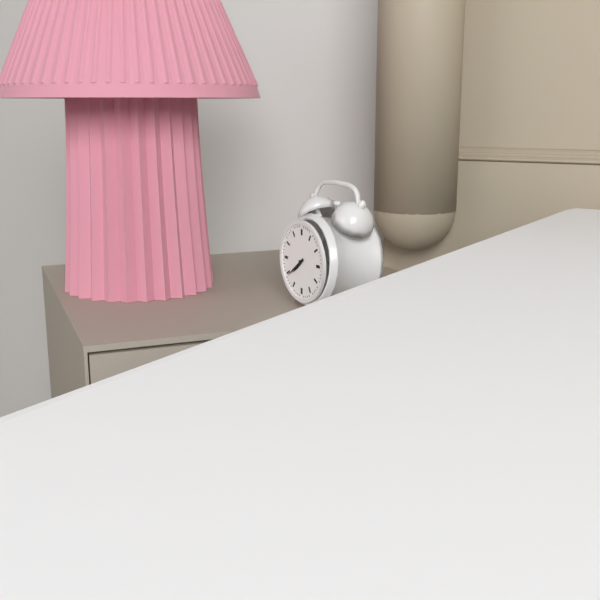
{"hour": 7, "minute": 39}
